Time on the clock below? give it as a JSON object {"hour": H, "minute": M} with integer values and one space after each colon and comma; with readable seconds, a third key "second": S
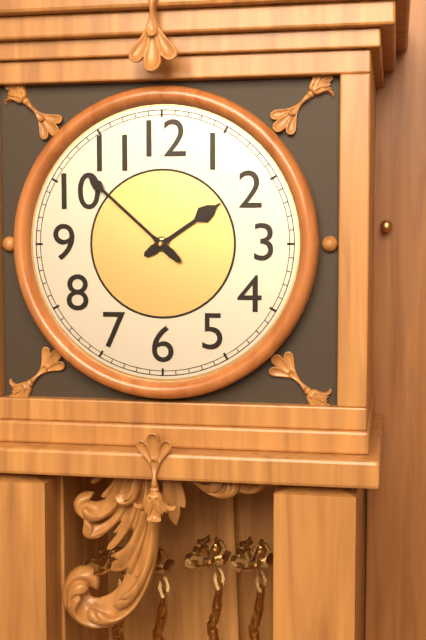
{"hour": 1, "minute": 52}
